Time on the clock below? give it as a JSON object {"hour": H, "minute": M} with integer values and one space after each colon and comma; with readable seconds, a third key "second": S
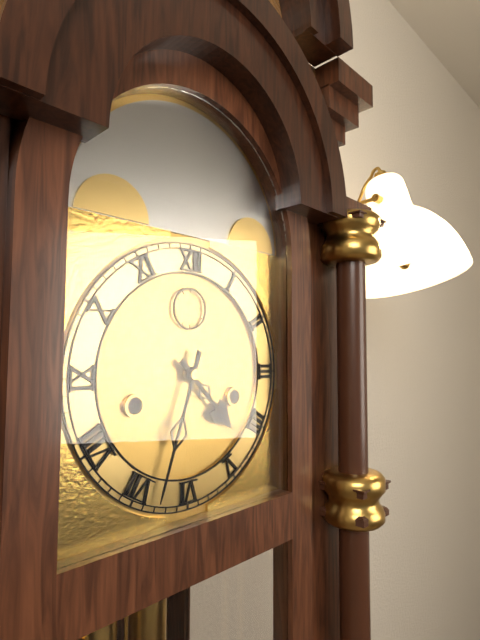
{"hour": 4, "minute": 33}
